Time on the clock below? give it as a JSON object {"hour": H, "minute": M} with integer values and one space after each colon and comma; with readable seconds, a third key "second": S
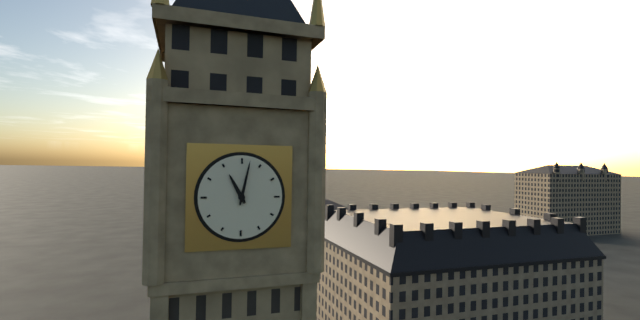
{"hour": 11, "minute": 2}
